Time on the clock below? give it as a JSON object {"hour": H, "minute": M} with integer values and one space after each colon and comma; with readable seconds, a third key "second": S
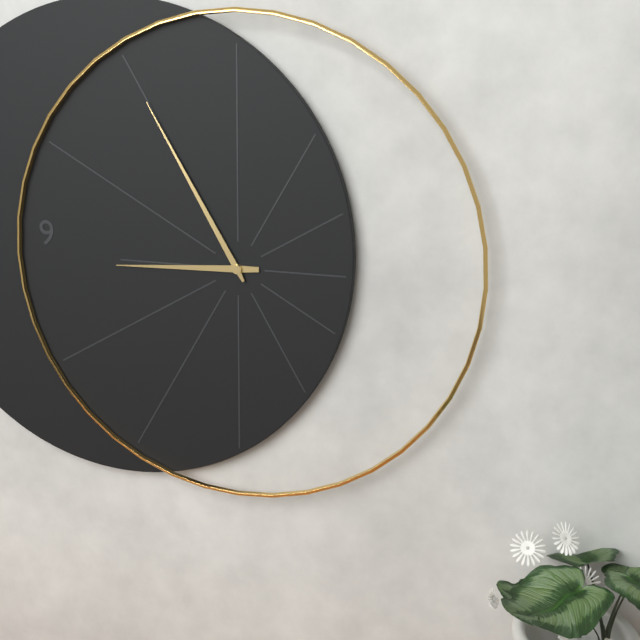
{"hour": 8, "minute": 55}
